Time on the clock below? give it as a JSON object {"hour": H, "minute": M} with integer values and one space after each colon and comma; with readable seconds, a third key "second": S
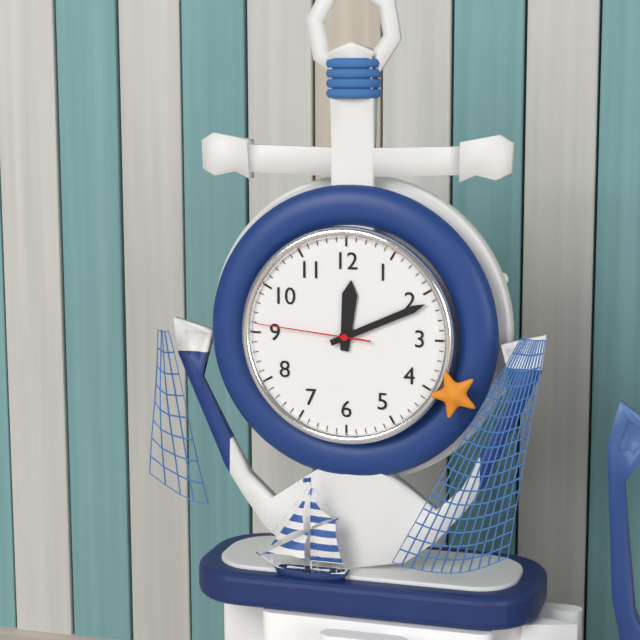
{"hour": 12, "minute": 11, "second": 46}
